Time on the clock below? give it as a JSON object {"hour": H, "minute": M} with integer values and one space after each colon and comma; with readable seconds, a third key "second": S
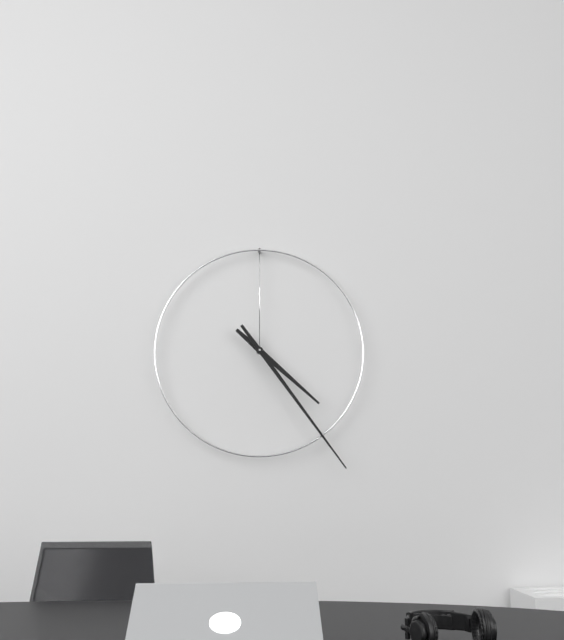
{"hour": 4, "minute": 24}
